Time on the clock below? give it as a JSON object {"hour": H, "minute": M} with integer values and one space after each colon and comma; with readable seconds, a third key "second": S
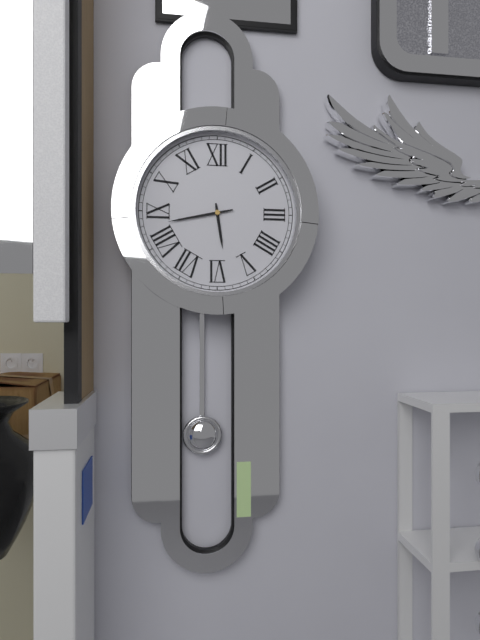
{"hour": 5, "minute": 43}
